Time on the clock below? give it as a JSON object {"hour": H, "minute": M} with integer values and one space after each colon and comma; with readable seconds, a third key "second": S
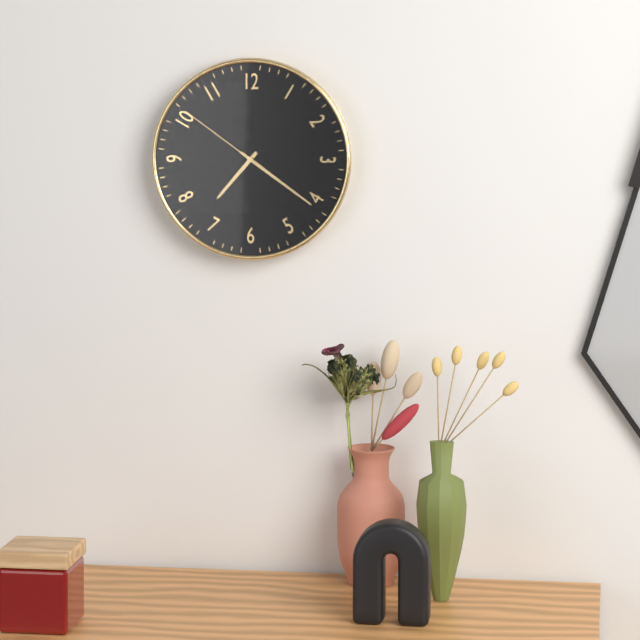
{"hour": 7, "minute": 21, "second": 51}
